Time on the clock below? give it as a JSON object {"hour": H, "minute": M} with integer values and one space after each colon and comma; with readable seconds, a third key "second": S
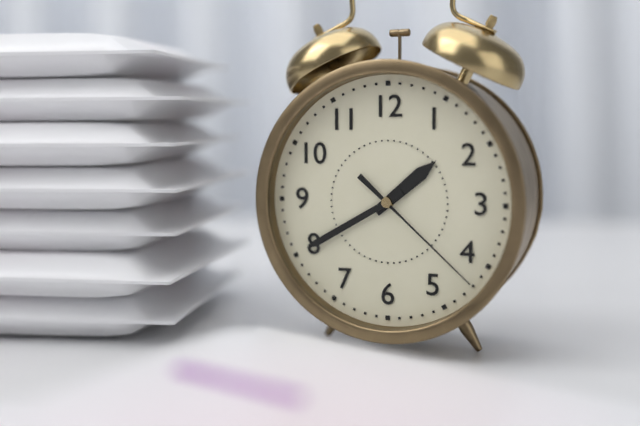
{"hour": 1, "minute": 40, "second": 22}
